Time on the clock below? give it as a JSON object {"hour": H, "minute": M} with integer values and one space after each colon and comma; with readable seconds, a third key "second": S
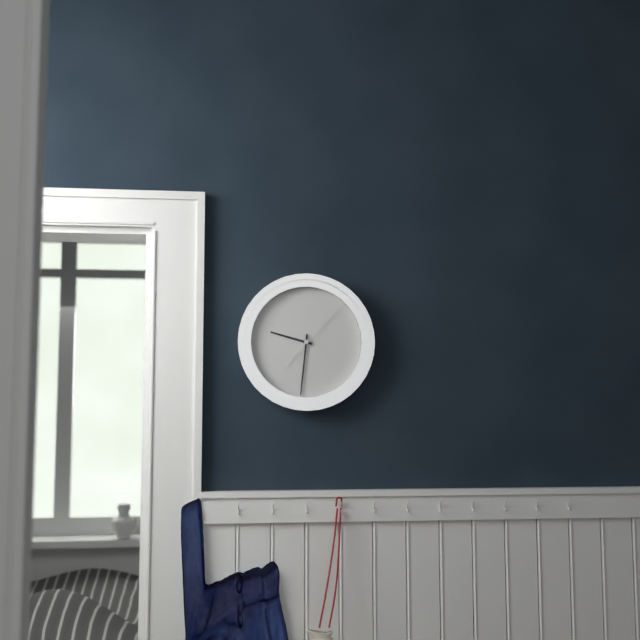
{"hour": 9, "minute": 31, "second": 7}
